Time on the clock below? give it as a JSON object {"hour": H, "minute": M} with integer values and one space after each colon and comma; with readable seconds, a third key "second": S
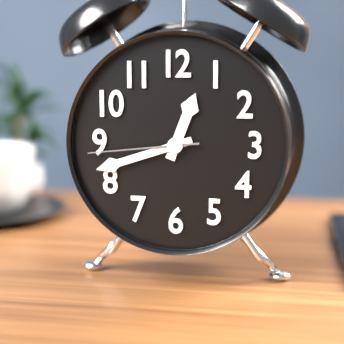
{"hour": 12, "minute": 42, "second": 44}
